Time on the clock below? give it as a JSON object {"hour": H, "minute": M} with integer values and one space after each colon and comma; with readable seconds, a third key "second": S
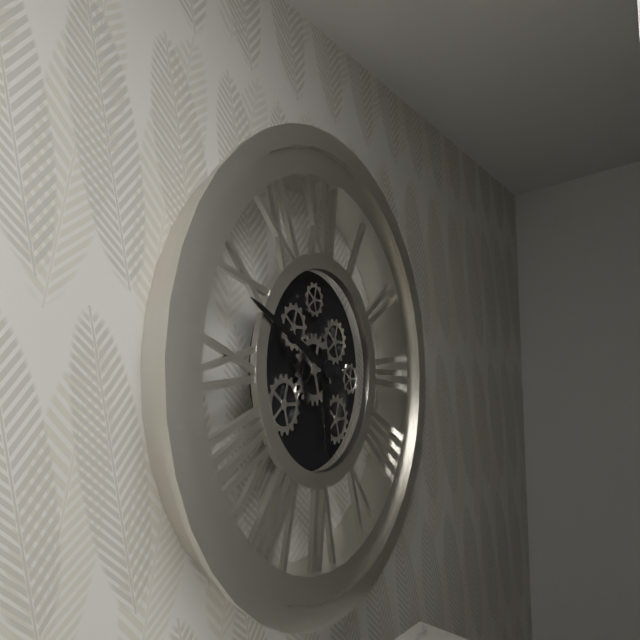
{"hour": 5, "minute": 49}
